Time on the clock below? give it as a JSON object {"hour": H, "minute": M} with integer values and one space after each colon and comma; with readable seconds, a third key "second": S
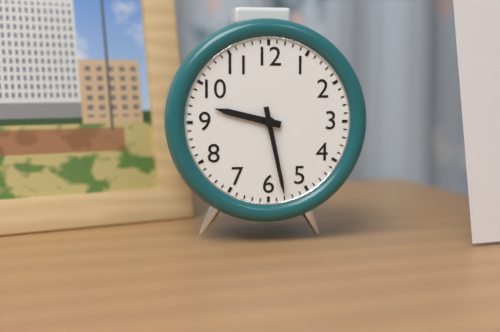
{"hour": 9, "minute": 28}
